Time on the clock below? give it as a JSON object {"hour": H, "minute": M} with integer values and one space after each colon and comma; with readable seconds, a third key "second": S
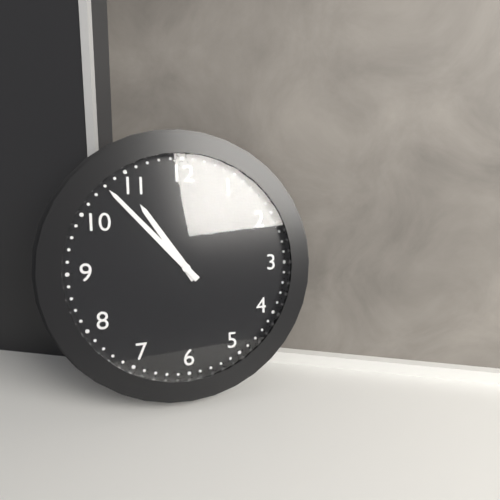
{"hour": 10, "minute": 53}
